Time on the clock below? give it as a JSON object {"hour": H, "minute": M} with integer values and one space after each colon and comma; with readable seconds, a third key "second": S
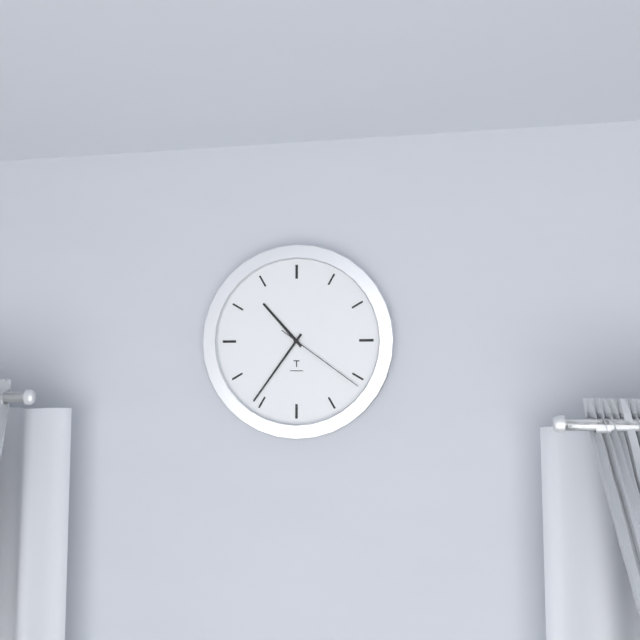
{"hour": 10, "minute": 36, "second": 21}
